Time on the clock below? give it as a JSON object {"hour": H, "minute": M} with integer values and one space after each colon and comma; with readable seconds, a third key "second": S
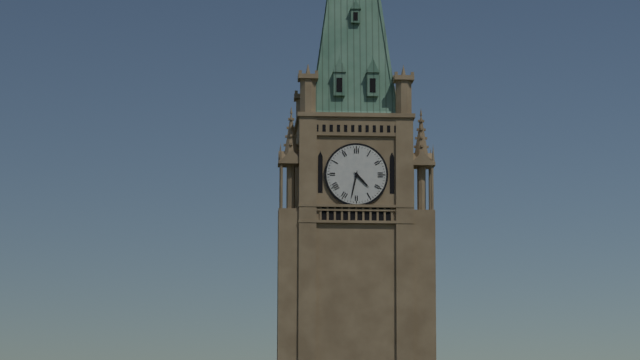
{"hour": 4, "minute": 32}
